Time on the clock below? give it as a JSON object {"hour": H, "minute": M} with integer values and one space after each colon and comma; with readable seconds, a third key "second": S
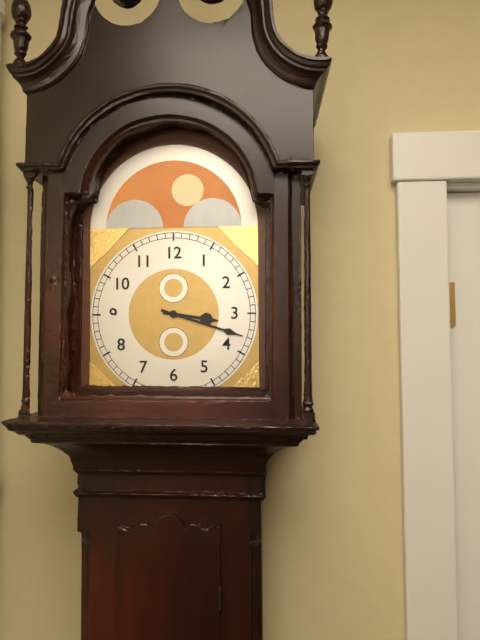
{"hour": 3, "minute": 18}
